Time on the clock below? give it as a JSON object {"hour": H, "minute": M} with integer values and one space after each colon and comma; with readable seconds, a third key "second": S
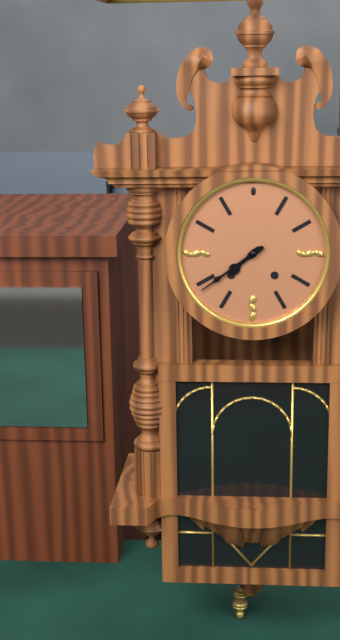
{"hour": 7, "minute": 39}
